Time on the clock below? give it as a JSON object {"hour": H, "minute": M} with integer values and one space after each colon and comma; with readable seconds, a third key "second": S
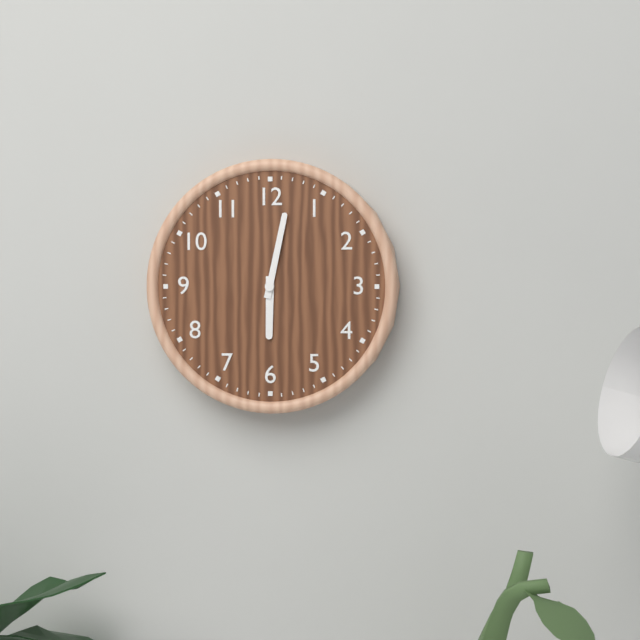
{"hour": 6, "minute": 2}
